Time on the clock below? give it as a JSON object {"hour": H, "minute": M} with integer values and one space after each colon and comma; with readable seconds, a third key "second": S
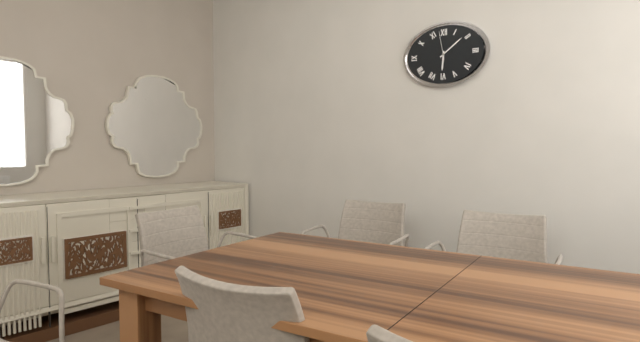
{"hour": 6, "minute": 9}
